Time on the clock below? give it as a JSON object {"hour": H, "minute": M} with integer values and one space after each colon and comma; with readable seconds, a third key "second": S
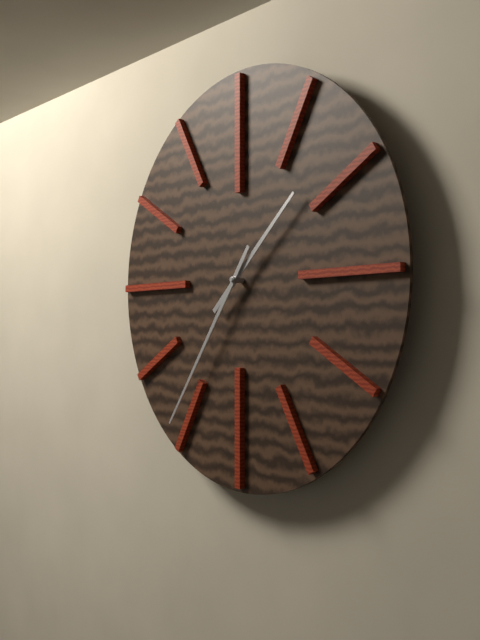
{"hour": 1, "minute": 36}
